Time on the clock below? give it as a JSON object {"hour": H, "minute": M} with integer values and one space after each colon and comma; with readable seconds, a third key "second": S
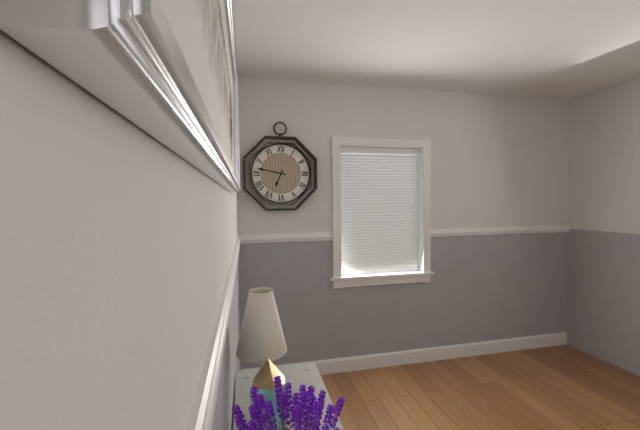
{"hour": 6, "minute": 47}
